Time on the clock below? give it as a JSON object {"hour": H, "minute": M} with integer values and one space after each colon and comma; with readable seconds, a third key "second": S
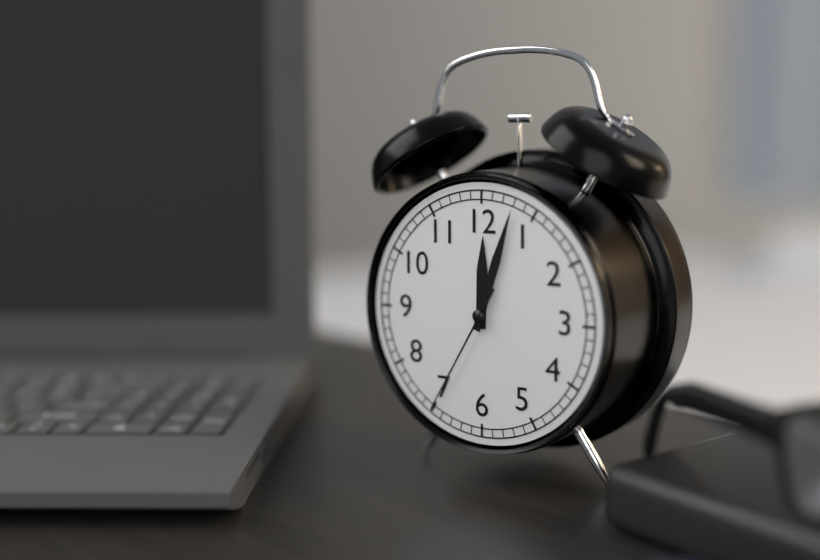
{"hour": 12, "minute": 3, "second": 35}
